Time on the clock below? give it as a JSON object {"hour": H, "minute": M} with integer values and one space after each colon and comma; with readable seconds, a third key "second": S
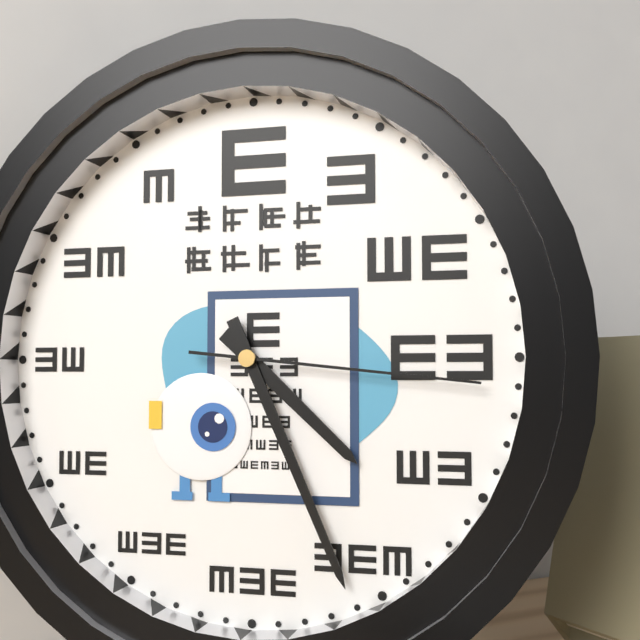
{"hour": 4, "minute": 26, "second": 16}
